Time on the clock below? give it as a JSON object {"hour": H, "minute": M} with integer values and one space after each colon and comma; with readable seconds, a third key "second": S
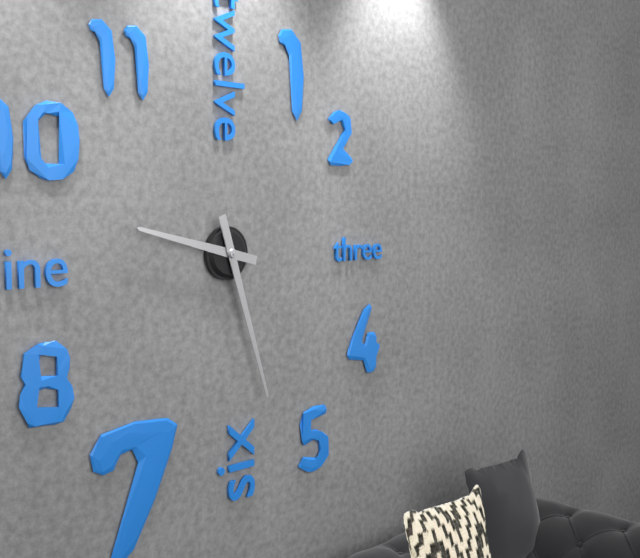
{"hour": 9, "minute": 27}
